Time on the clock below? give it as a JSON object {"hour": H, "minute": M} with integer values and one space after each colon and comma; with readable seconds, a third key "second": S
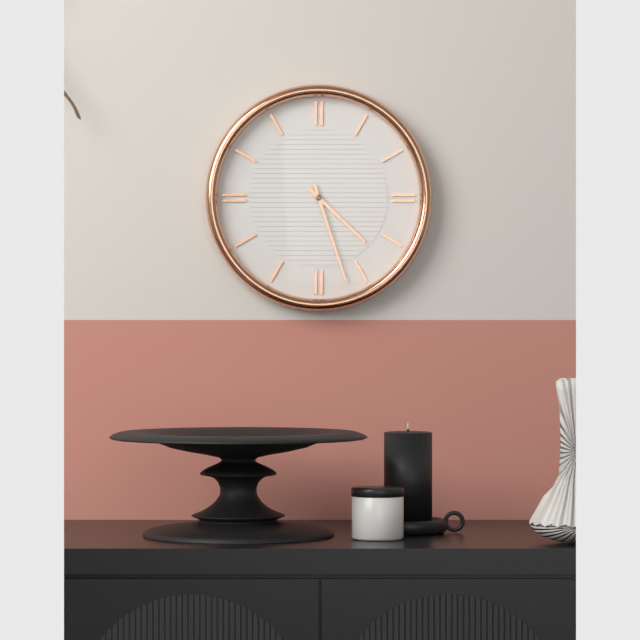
{"hour": 4, "minute": 27}
